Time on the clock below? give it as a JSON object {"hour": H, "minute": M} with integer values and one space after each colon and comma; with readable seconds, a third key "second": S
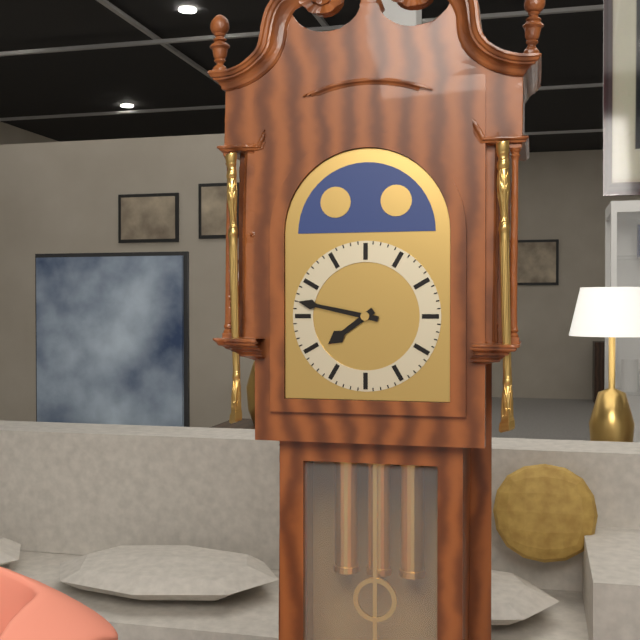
{"hour": 7, "minute": 47}
